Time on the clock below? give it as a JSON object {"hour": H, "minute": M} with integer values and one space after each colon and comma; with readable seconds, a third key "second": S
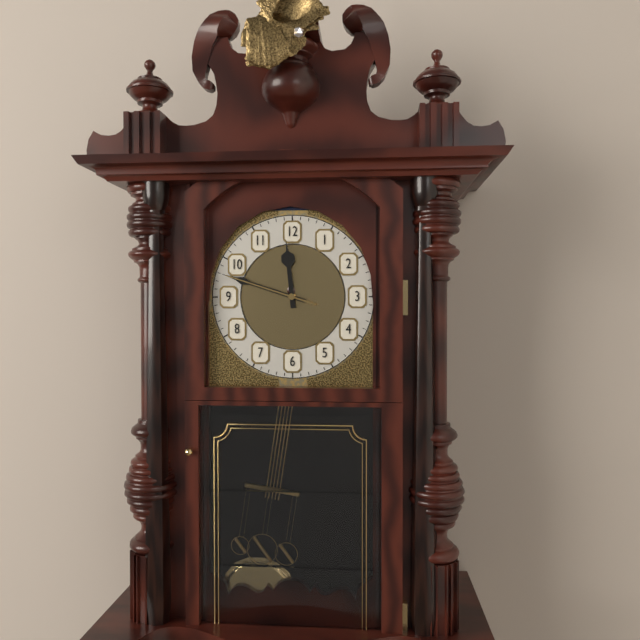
{"hour": 11, "minute": 48, "second": 48}
